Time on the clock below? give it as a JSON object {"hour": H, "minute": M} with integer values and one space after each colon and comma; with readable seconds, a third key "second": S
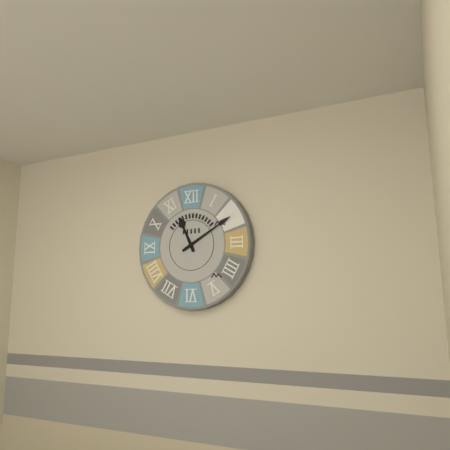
{"hour": 11, "minute": 10}
